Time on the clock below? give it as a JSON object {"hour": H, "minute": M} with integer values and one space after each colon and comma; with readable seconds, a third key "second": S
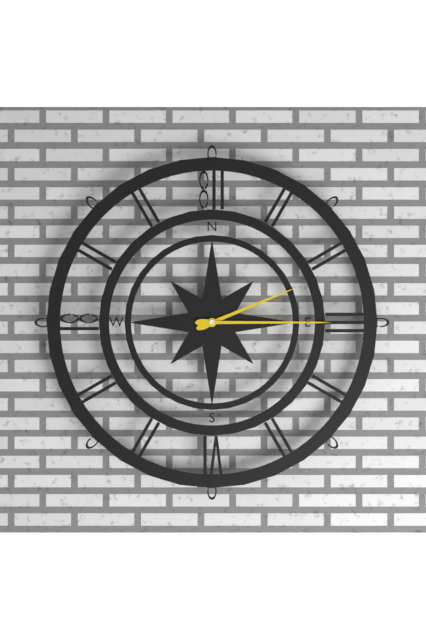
{"hour": 2, "minute": 15}
